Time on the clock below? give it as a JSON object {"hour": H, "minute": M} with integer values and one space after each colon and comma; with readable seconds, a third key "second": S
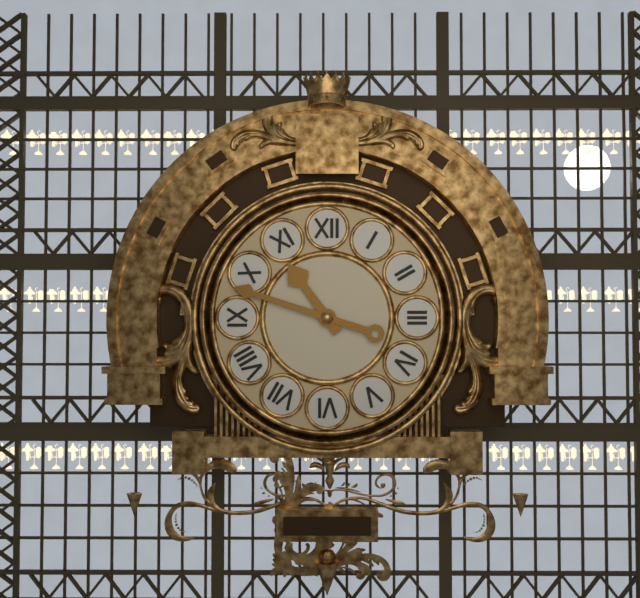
{"hour": 10, "minute": 48}
